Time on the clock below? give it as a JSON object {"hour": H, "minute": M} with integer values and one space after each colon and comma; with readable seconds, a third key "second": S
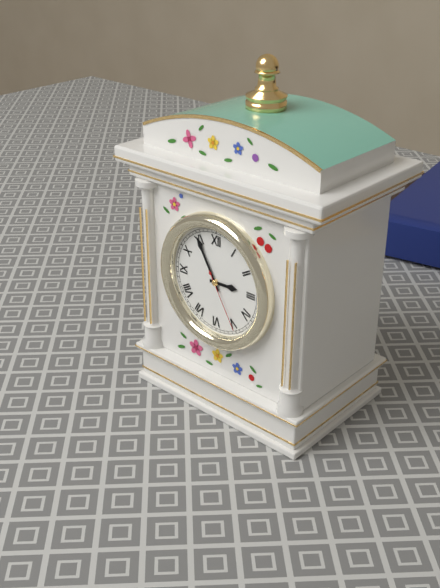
{"hour": 2, "minute": 55, "second": 25}
